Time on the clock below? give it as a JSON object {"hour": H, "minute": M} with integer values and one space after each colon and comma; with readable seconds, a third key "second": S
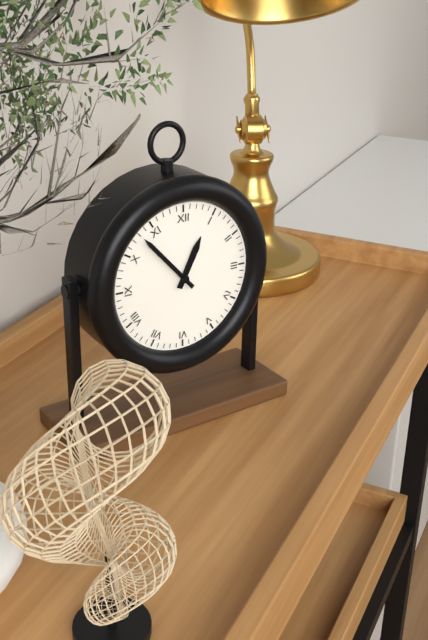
{"hour": 12, "minute": 53}
